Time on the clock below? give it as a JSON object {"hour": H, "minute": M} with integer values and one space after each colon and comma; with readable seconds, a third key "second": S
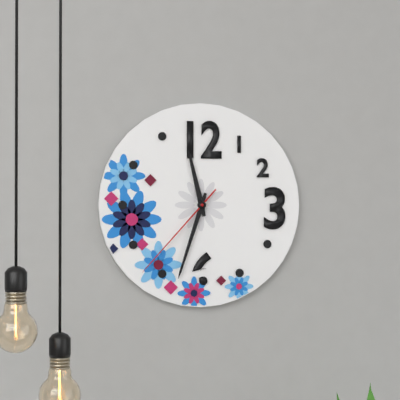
{"hour": 11, "minute": 33, "second": 37}
